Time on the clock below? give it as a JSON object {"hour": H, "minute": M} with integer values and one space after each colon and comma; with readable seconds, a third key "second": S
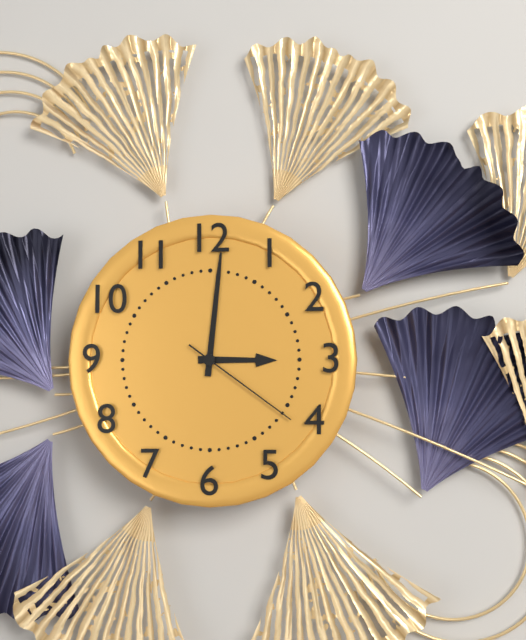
{"hour": 3, "minute": 1, "second": 21}
